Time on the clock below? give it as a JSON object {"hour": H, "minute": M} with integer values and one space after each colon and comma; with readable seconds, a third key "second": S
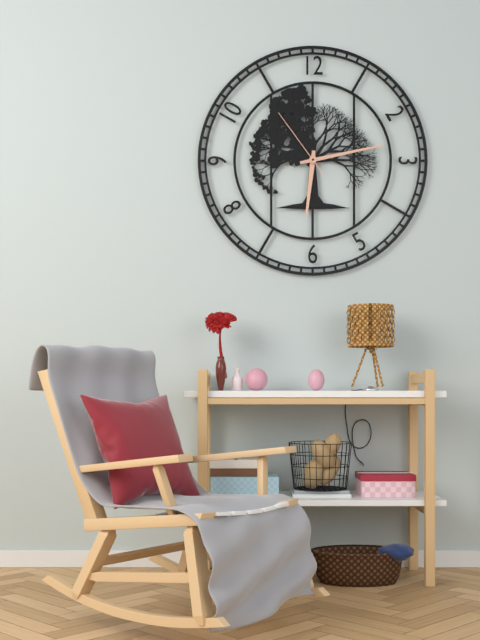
{"hour": 6, "minute": 13, "second": 54}
